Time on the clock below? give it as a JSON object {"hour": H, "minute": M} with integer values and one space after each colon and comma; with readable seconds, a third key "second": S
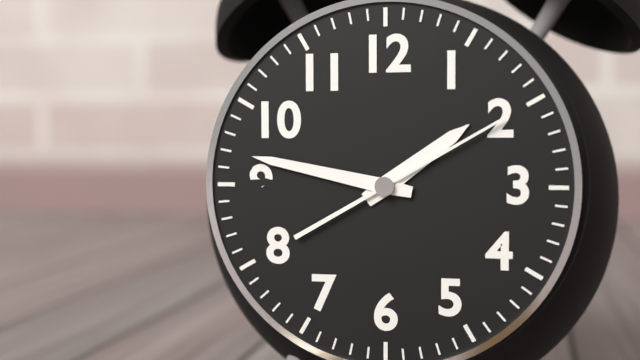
{"hour": 1, "minute": 47, "second": 10}
